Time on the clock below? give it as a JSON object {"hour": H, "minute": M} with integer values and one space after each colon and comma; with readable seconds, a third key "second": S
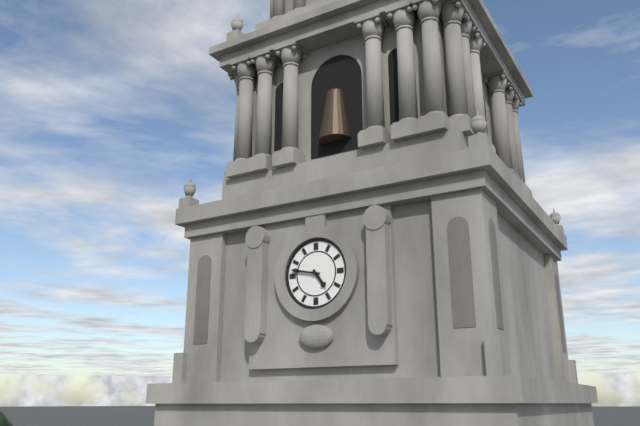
{"hour": 4, "minute": 47}
